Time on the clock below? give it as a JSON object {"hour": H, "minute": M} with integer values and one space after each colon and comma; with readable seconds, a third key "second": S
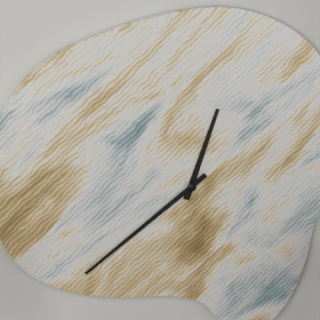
{"hour": 12, "minute": 39}
